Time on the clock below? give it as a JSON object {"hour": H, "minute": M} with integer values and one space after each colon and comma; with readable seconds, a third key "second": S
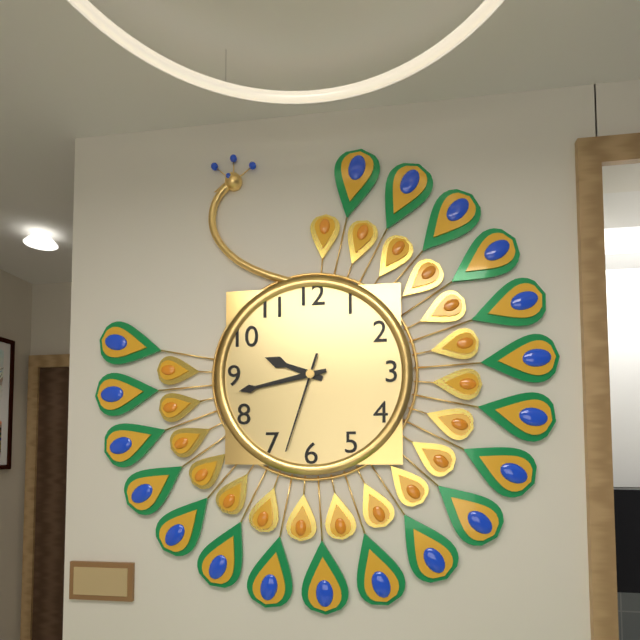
{"hour": 9, "minute": 43, "second": 33}
